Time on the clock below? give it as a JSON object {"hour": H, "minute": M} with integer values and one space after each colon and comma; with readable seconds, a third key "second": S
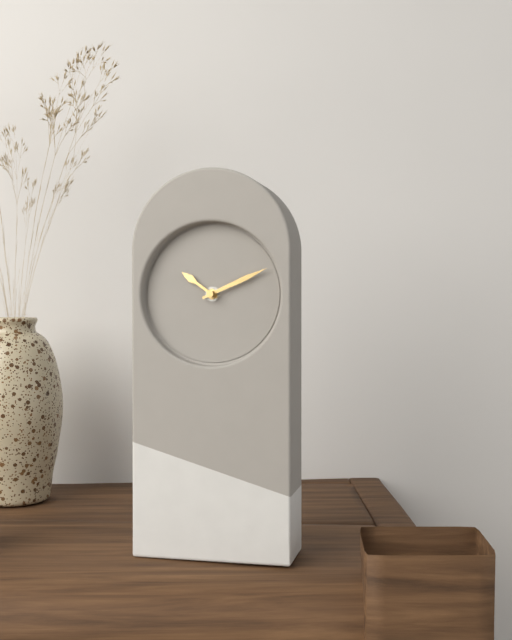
{"hour": 10, "minute": 11}
